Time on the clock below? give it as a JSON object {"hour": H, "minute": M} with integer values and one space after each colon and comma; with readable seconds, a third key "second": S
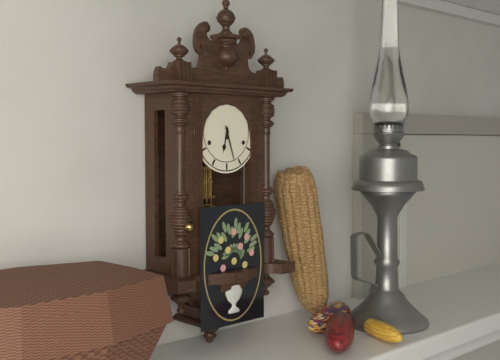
{"hour": 6, "minute": 27}
